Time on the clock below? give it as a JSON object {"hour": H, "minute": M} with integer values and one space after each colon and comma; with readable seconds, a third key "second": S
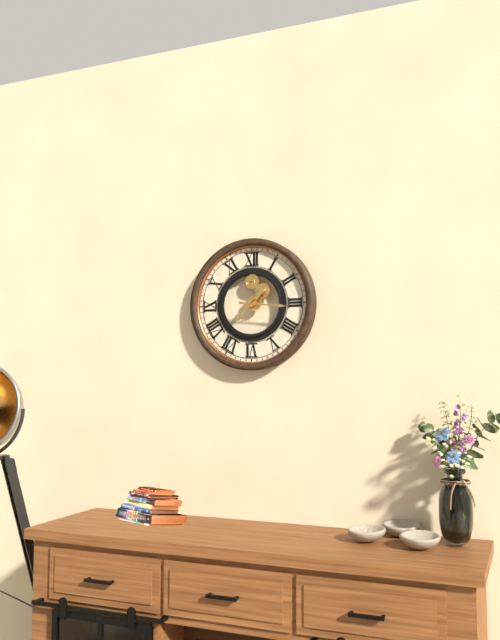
{"hour": 7, "minute": 16}
